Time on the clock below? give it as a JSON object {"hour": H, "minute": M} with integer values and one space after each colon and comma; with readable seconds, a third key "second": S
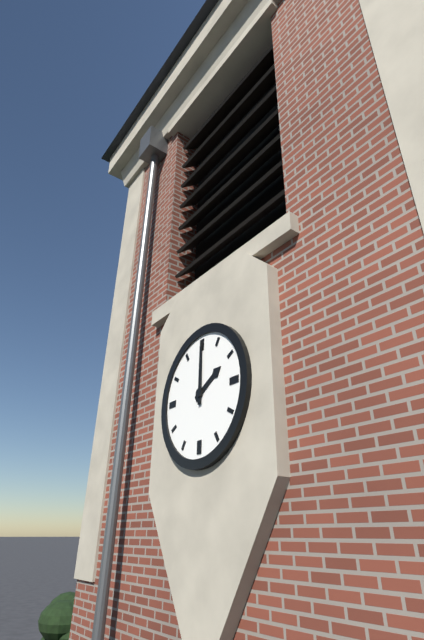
{"hour": 2, "minute": 0}
